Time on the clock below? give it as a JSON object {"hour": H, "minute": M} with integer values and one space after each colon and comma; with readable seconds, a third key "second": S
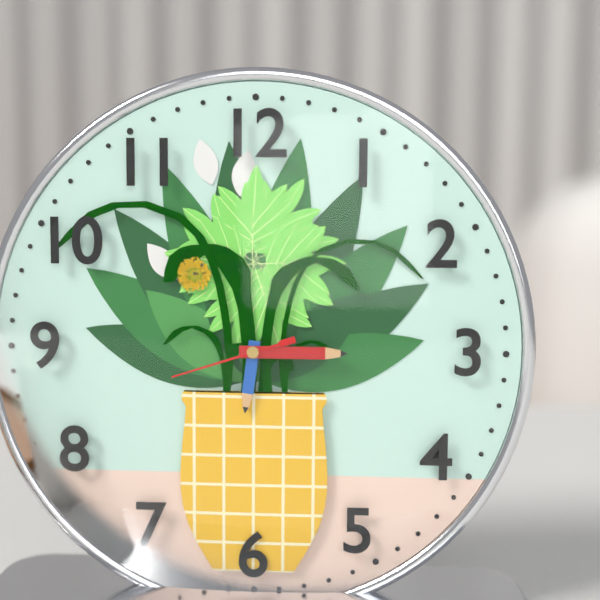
{"hour": 6, "minute": 15, "second": 42}
